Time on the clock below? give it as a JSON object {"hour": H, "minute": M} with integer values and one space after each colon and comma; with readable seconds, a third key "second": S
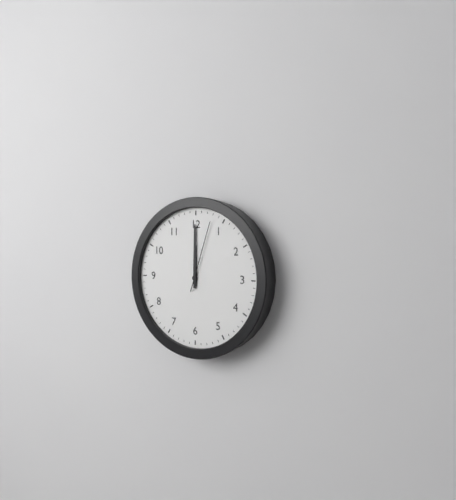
{"hour": 12, "minute": 0, "second": 3}
